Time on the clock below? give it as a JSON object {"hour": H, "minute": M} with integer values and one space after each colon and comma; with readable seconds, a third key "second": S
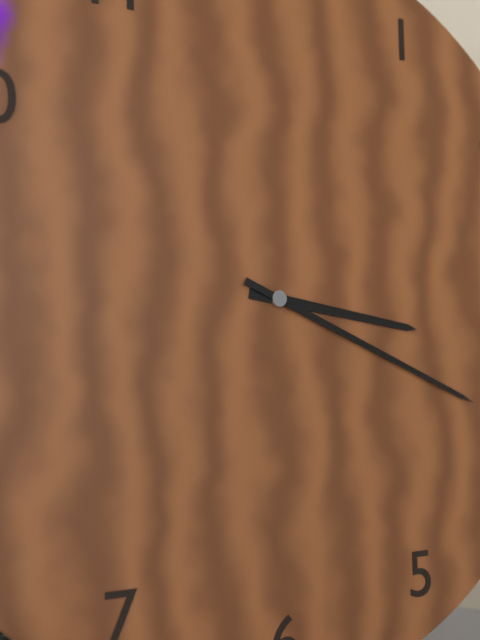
{"hour": 3, "minute": 19}
